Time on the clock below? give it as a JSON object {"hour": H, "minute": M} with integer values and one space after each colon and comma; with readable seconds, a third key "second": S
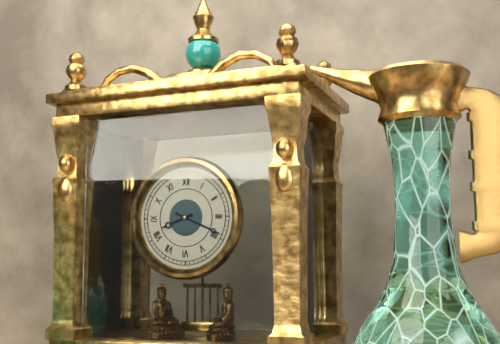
{"hour": 8, "minute": 19}
